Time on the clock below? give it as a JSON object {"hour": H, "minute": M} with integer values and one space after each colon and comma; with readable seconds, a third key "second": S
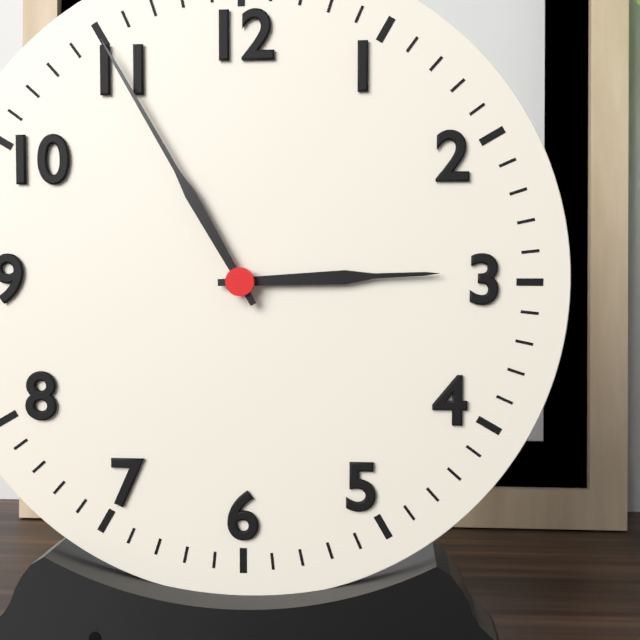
{"hour": 2, "minute": 55}
